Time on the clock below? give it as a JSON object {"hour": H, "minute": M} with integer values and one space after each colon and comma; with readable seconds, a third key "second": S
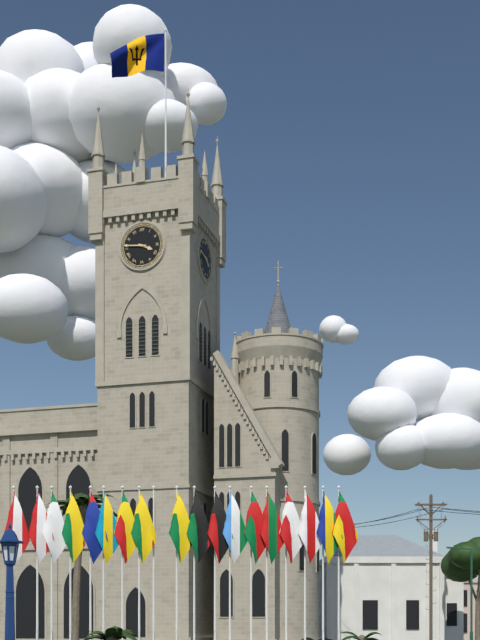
{"hour": 3, "minute": 46}
